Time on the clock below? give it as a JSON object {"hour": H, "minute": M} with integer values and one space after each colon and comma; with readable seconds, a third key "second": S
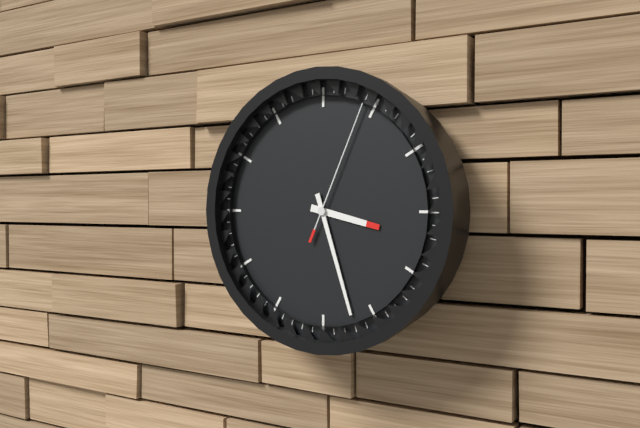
{"hour": 3, "minute": 27, "second": 4}
